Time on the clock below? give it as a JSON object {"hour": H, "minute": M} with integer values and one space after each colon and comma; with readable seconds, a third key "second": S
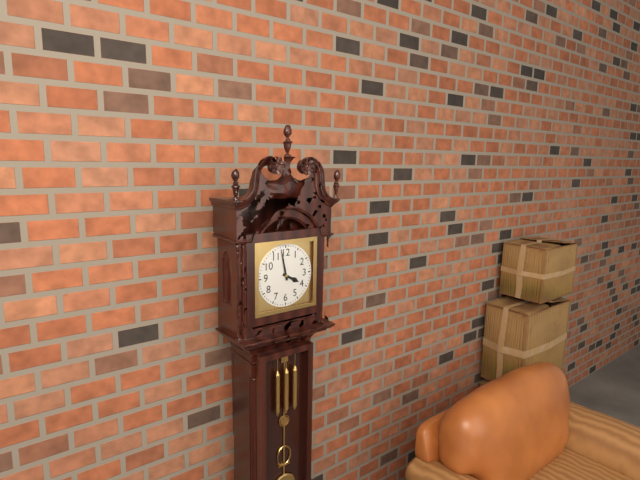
{"hour": 3, "minute": 58}
